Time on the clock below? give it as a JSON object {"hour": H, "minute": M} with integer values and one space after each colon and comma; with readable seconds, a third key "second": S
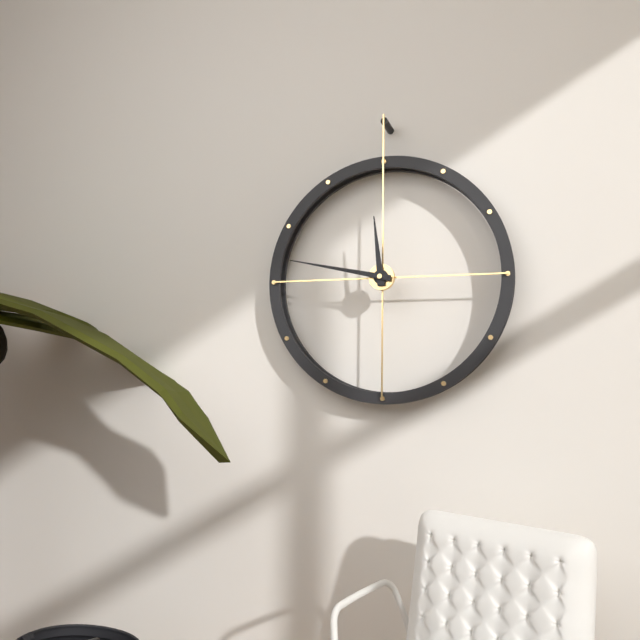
{"hour": 11, "minute": 47}
